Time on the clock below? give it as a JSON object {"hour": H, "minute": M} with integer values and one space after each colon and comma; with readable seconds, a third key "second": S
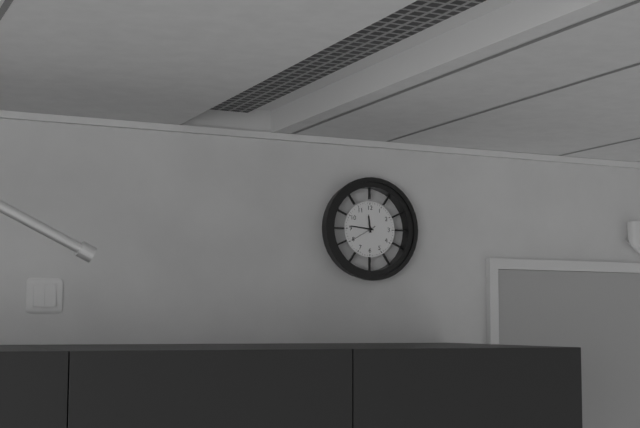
{"hour": 11, "minute": 46}
